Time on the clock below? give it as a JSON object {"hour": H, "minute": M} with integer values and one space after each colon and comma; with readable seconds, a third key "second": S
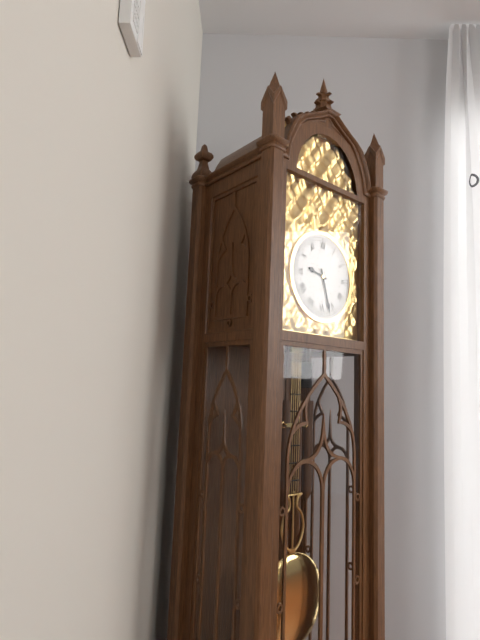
{"hour": 9, "minute": 27}
